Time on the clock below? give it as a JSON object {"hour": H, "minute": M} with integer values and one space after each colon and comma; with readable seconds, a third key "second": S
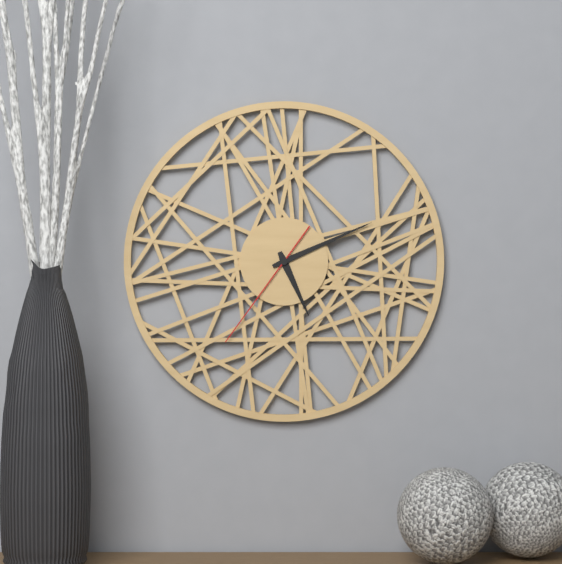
{"hour": 5, "minute": 11, "second": 36}
